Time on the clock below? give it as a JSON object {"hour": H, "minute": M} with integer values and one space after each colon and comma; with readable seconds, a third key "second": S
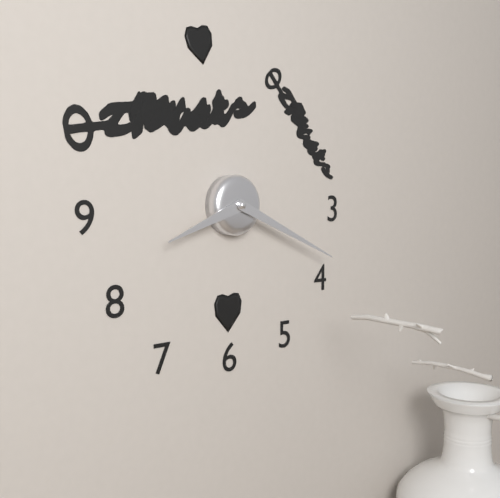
{"hour": 8, "minute": 19}
